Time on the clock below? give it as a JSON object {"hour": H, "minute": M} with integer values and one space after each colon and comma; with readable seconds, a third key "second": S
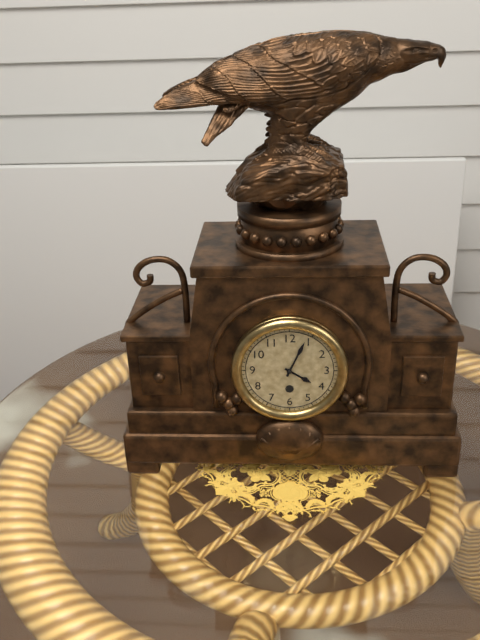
{"hour": 4, "minute": 4}
